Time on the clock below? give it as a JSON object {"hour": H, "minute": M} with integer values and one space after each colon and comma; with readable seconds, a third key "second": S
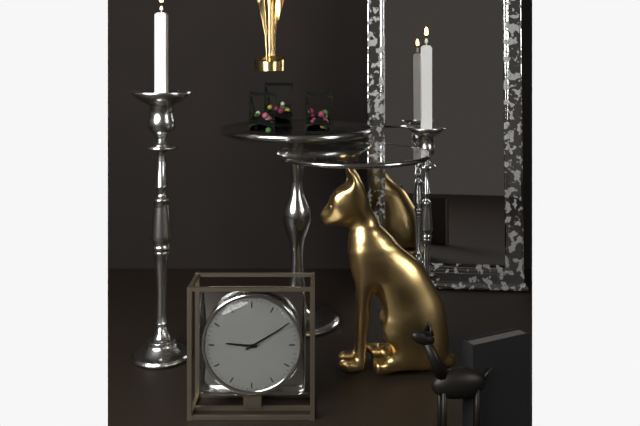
{"hour": 9, "minute": 10}
